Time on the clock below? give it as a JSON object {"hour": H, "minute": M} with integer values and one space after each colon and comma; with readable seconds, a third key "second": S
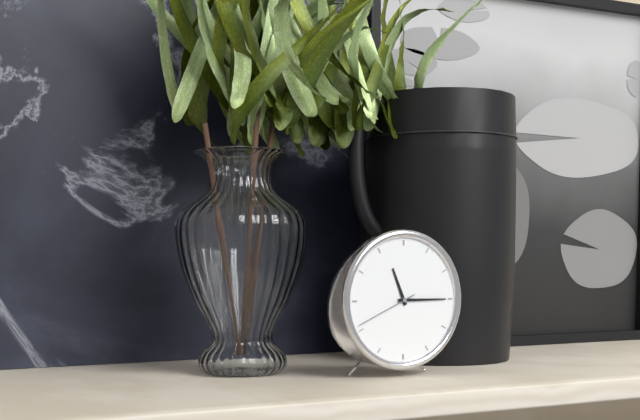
{"hour": 11, "minute": 15, "second": 41}
